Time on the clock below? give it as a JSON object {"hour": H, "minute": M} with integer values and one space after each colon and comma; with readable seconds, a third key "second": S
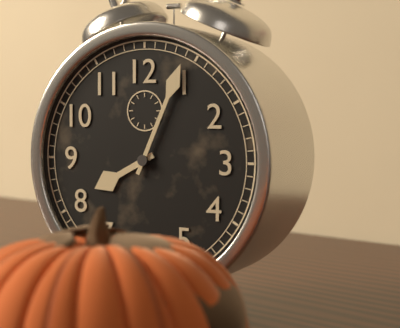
{"hour": 8, "minute": 4}
